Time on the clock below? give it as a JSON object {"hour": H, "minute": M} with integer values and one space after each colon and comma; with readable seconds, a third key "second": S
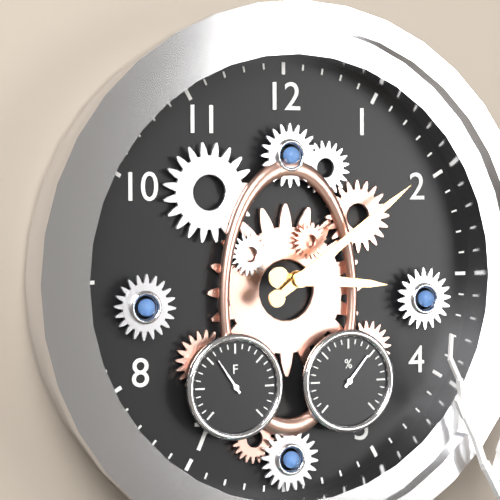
{"hour": 3, "minute": 9}
